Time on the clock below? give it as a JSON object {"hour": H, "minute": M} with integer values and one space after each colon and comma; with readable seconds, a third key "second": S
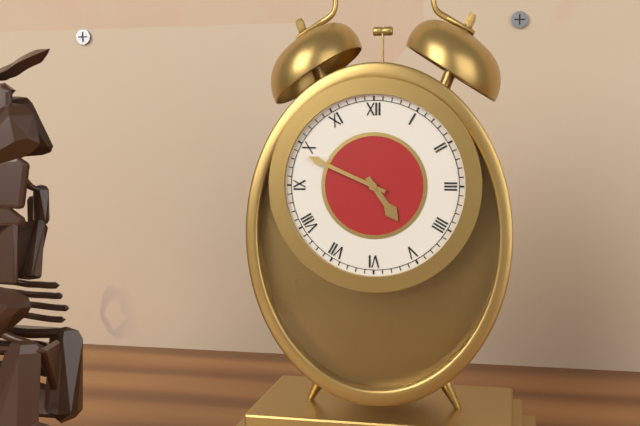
{"hour": 4, "minute": 49}
